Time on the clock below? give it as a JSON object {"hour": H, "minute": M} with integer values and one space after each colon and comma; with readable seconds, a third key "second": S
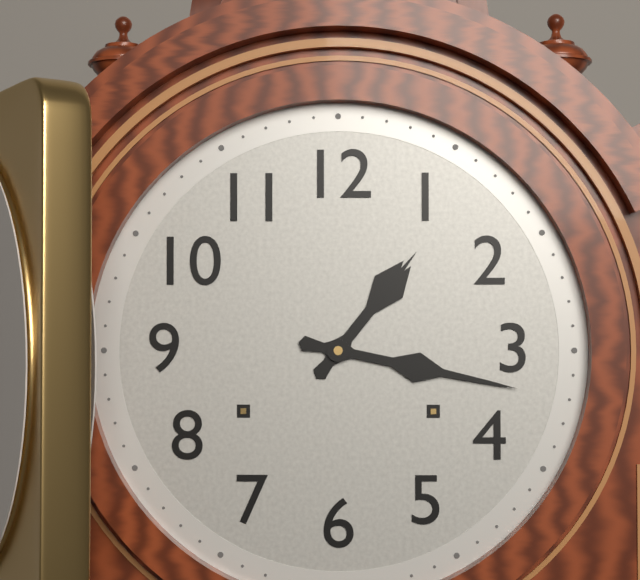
{"hour": 1, "minute": 17}
